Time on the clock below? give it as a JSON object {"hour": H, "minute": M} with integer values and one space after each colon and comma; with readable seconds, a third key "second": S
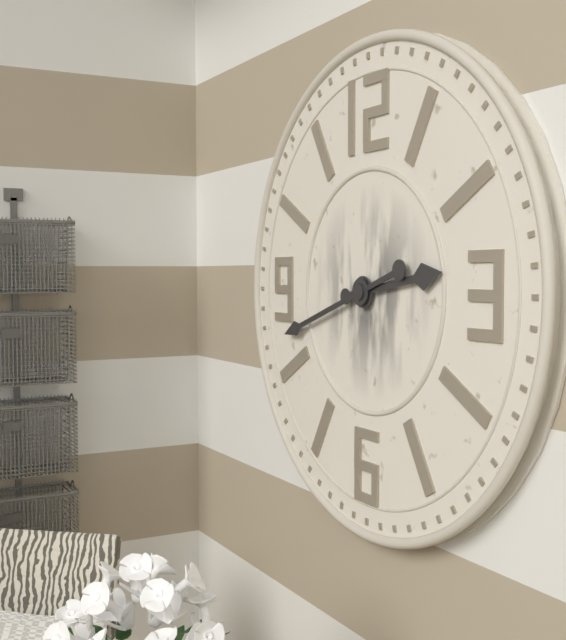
{"hour": 2, "minute": 42}
